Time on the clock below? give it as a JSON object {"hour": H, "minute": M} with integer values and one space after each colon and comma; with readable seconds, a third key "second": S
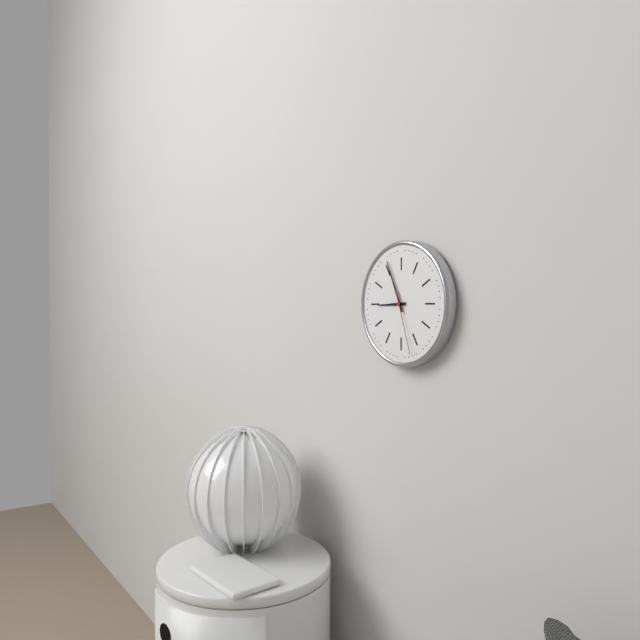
{"hour": 8, "minute": 56, "second": 27}
